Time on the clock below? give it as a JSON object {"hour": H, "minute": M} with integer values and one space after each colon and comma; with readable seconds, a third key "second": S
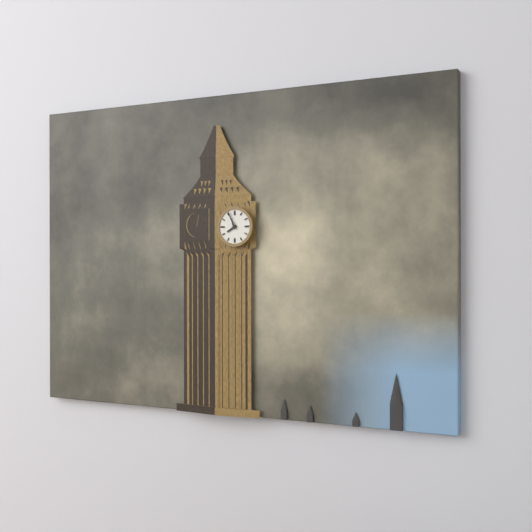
{"hour": 7, "minute": 56}
